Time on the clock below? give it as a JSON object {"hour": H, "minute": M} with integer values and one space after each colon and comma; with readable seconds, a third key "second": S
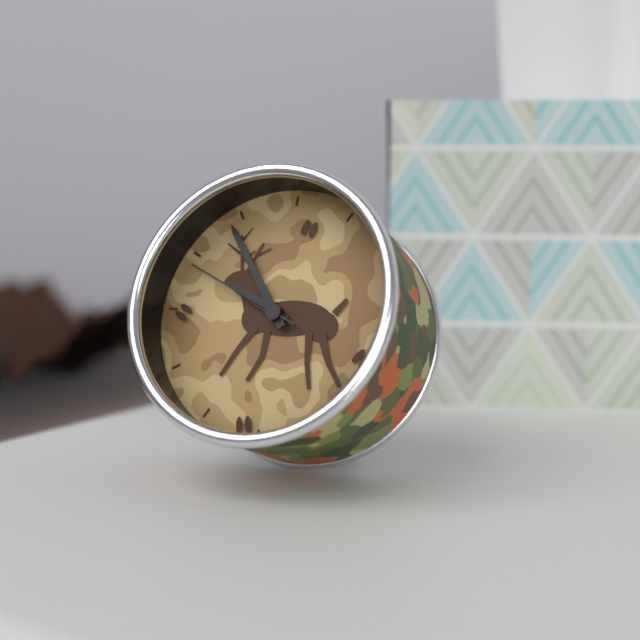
{"hour": 9, "minute": 54, "second": 49}
